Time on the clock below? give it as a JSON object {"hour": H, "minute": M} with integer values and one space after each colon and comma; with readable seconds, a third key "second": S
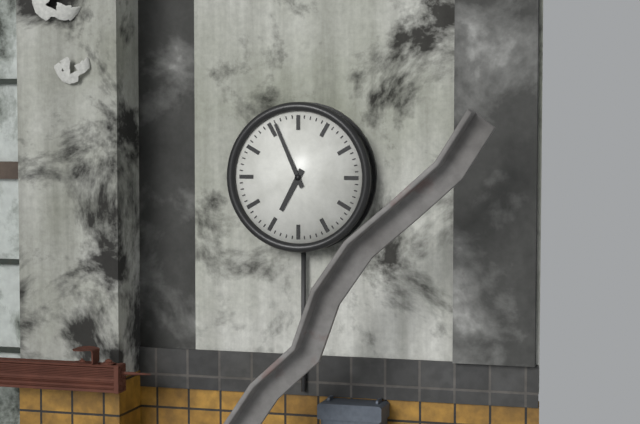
{"hour": 6, "minute": 56}
